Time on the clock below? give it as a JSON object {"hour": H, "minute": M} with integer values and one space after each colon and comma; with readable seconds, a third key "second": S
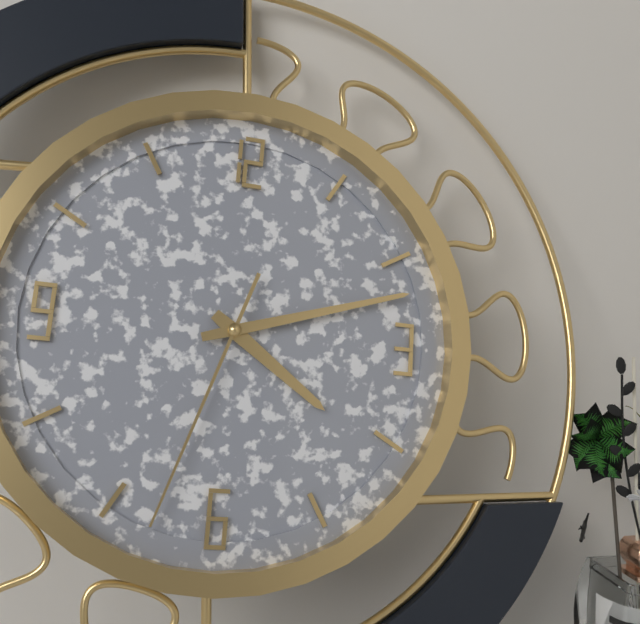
{"hour": 4, "minute": 12, "second": 33}
